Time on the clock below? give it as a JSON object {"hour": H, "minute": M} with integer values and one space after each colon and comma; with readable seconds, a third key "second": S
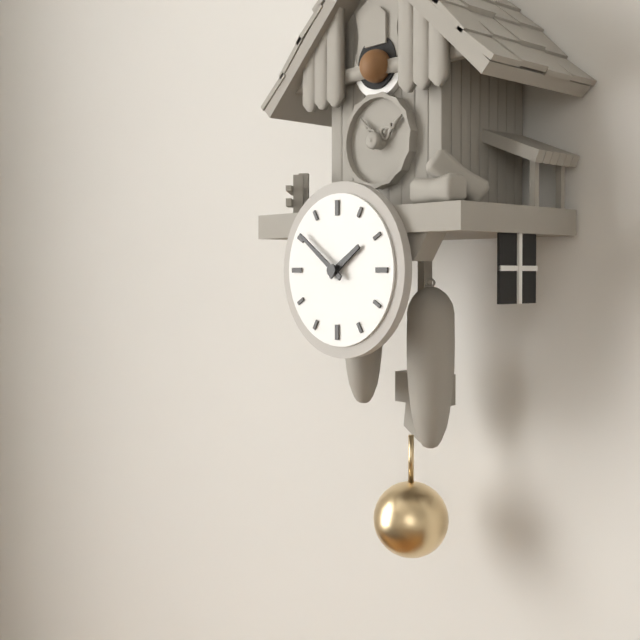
{"hour": 1, "minute": 51}
